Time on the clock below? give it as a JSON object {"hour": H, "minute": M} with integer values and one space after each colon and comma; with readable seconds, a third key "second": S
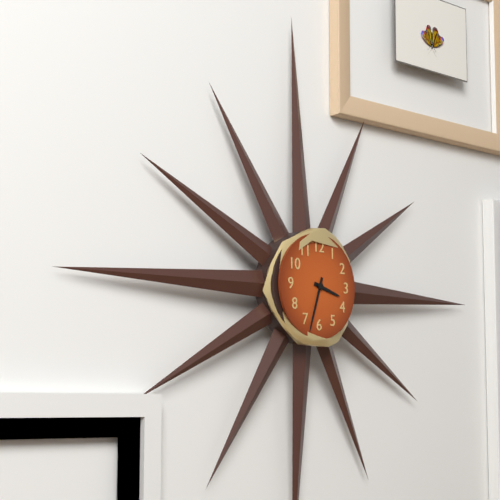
{"hour": 3, "minute": 33}
